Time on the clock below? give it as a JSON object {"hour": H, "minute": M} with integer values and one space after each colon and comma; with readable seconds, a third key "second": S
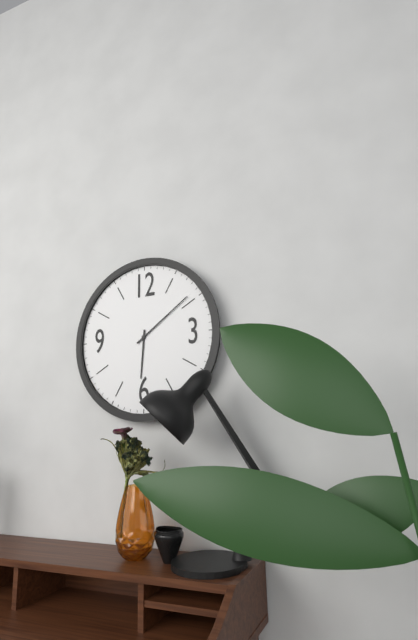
{"hour": 6, "minute": 9}
